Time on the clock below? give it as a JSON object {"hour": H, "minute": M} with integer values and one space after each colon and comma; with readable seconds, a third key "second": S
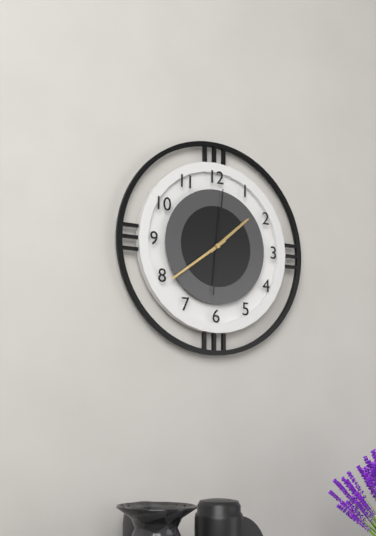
{"hour": 1, "minute": 39, "second": 1}
